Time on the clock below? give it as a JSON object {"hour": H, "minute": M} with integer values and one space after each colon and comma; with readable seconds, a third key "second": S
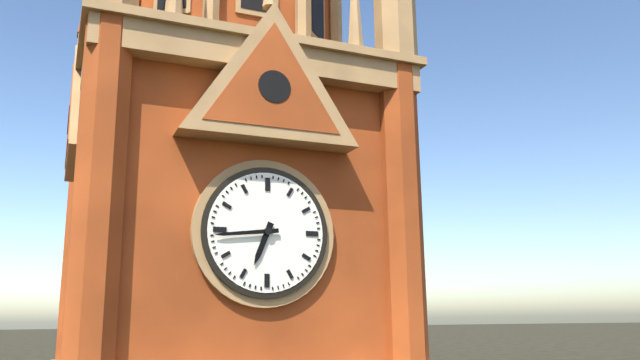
{"hour": 6, "minute": 44}
